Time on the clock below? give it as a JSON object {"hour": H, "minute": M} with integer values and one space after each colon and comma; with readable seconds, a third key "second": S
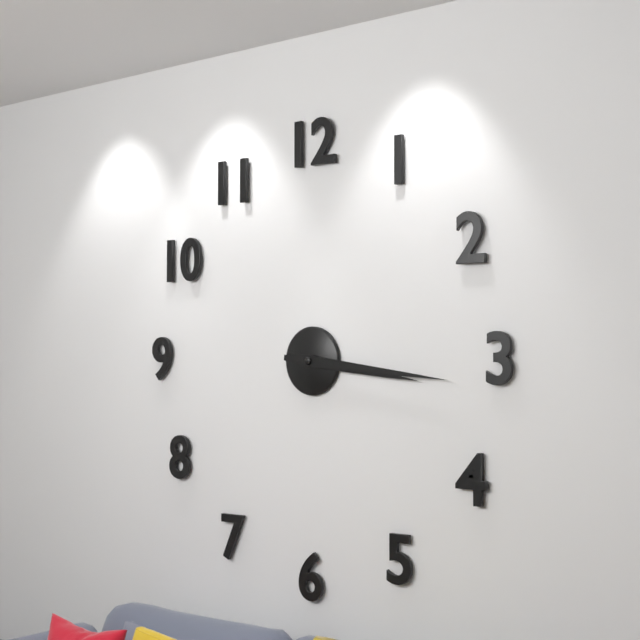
{"hour": 3, "minute": 16}
